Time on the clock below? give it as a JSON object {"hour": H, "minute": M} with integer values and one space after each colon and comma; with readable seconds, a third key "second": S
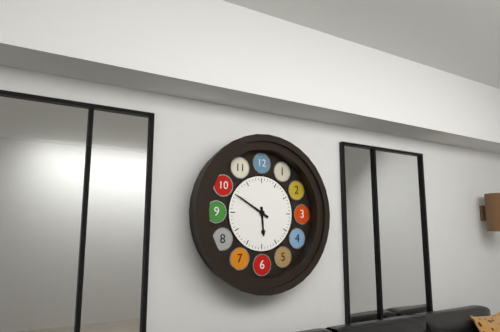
{"hour": 5, "minute": 50}
